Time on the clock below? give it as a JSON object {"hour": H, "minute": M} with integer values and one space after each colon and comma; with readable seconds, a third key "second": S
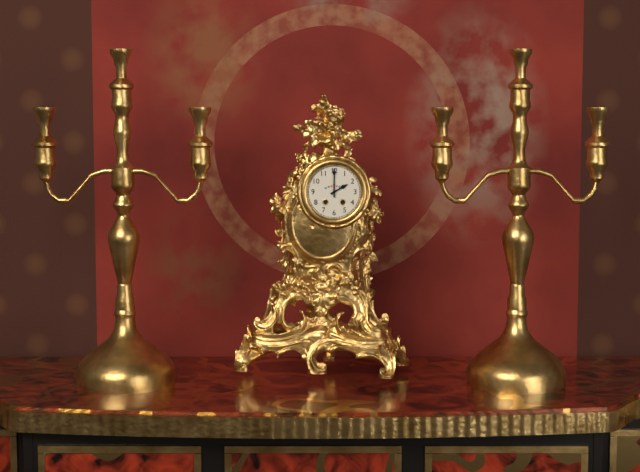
{"hour": 2, "minute": 0}
